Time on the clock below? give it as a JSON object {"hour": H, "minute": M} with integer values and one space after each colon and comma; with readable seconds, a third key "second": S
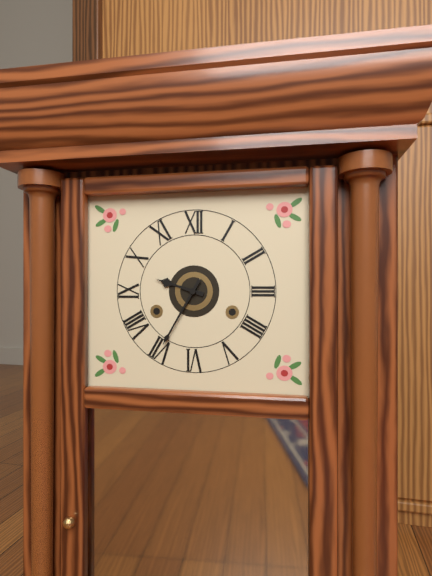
{"hour": 9, "minute": 35}
